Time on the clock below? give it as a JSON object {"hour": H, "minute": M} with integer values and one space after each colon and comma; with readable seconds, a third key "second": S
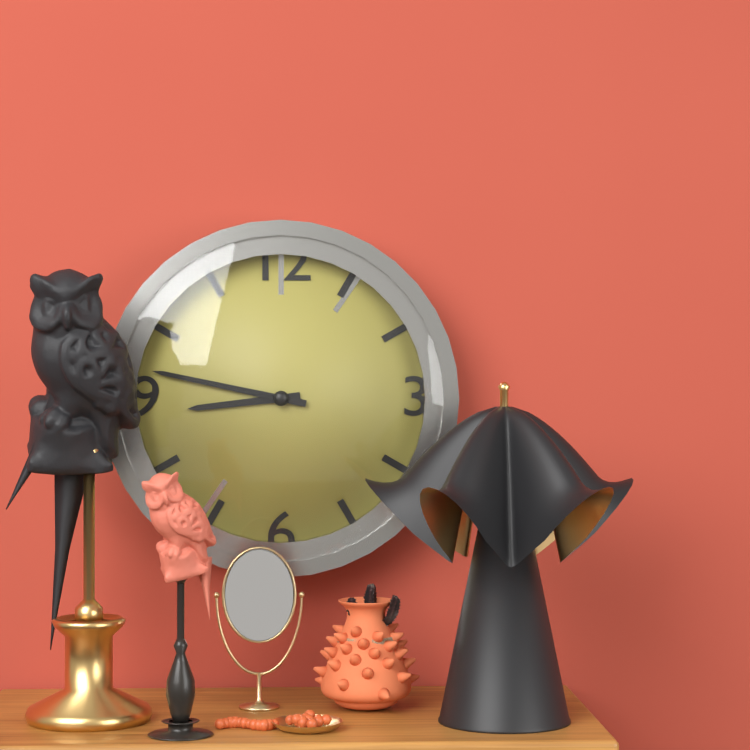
{"hour": 8, "minute": 47}
